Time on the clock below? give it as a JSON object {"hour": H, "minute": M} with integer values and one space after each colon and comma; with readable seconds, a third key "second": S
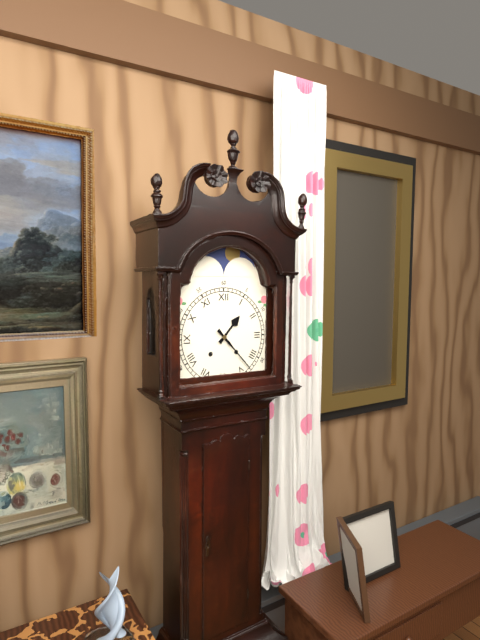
{"hour": 1, "minute": 23}
